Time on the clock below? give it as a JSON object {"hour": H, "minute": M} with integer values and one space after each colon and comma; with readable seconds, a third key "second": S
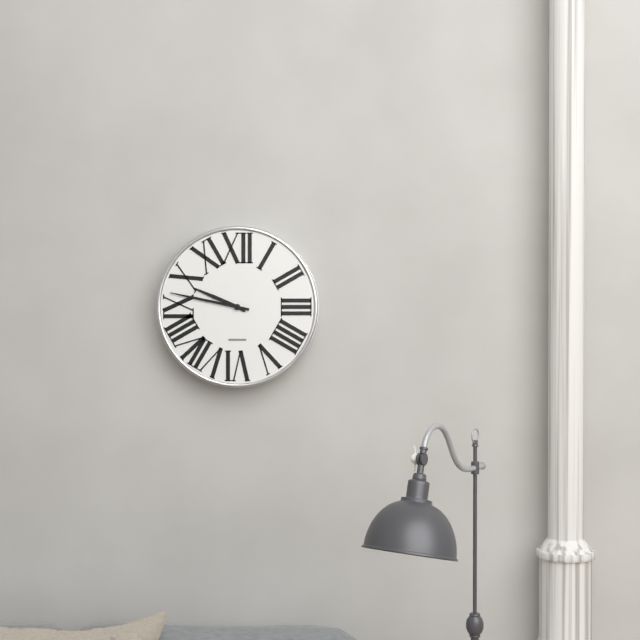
{"hour": 9, "minute": 47}
